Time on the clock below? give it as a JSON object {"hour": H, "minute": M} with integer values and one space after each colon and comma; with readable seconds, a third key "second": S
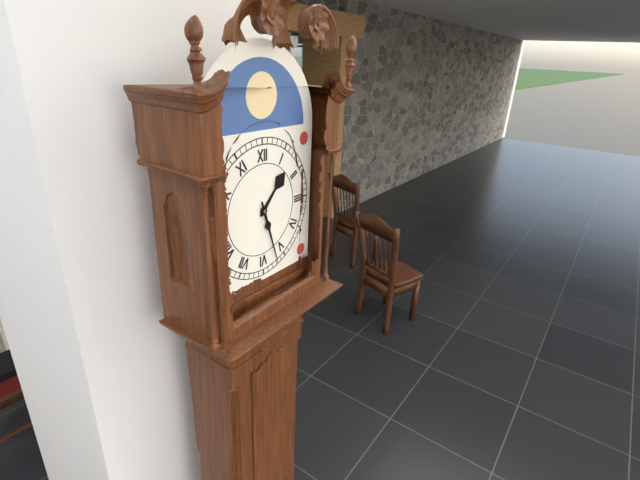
{"hour": 1, "minute": 27}
